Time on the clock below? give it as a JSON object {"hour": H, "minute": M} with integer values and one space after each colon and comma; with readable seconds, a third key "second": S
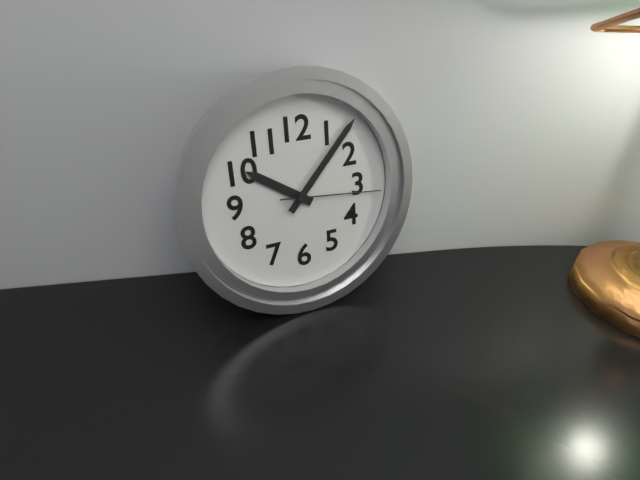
{"hour": 10, "minute": 7, "second": 16}
